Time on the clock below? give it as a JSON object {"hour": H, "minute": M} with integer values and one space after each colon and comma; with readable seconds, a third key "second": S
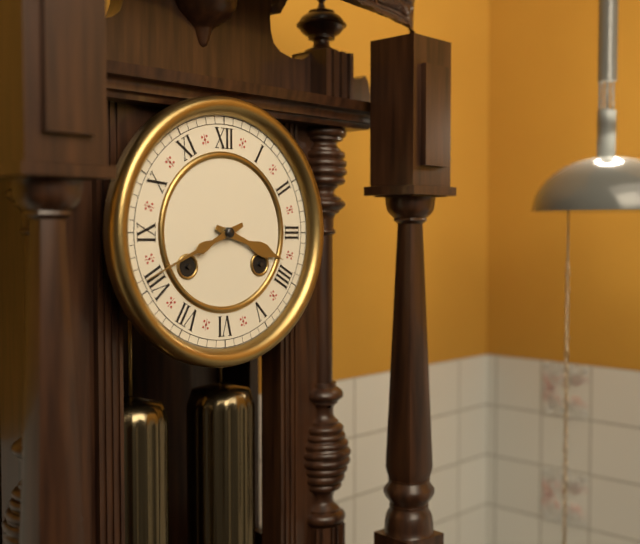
{"hour": 3, "minute": 41}
